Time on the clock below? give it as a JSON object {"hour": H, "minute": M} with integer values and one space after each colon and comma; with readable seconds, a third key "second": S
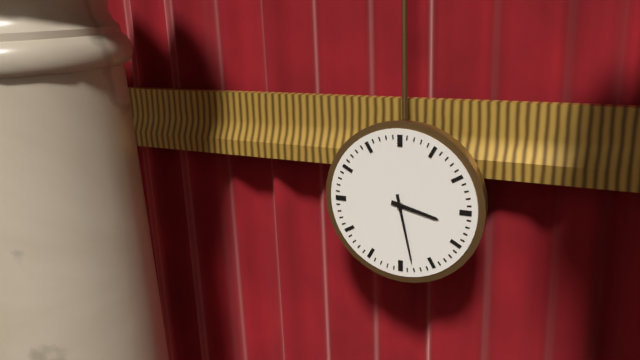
{"hour": 3, "minute": 28}
